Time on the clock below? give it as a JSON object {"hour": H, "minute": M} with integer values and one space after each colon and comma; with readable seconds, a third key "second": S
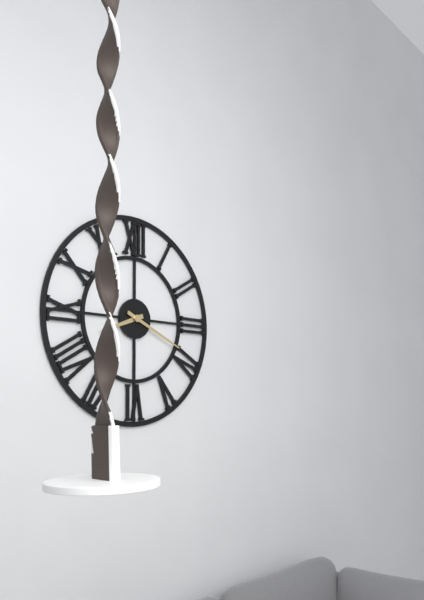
{"hour": 8, "minute": 19}
